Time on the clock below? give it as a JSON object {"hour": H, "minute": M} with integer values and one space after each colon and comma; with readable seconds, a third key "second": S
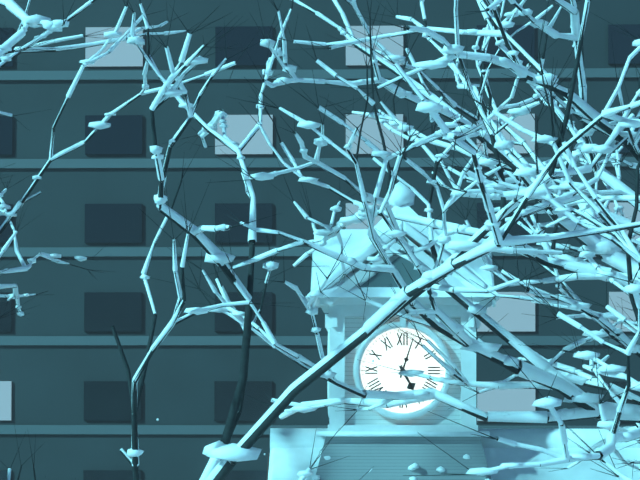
{"hour": 5, "minute": 3}
